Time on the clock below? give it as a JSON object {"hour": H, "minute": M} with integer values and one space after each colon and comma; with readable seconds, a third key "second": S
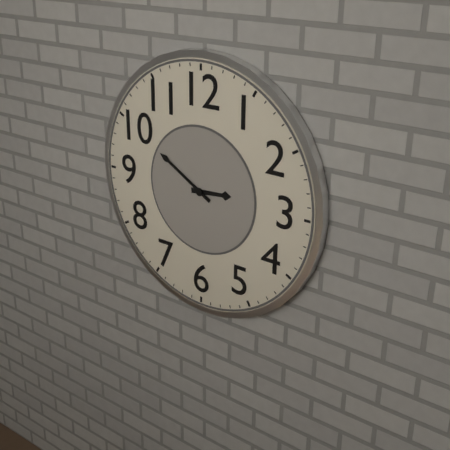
{"hour": 2, "minute": 50}
